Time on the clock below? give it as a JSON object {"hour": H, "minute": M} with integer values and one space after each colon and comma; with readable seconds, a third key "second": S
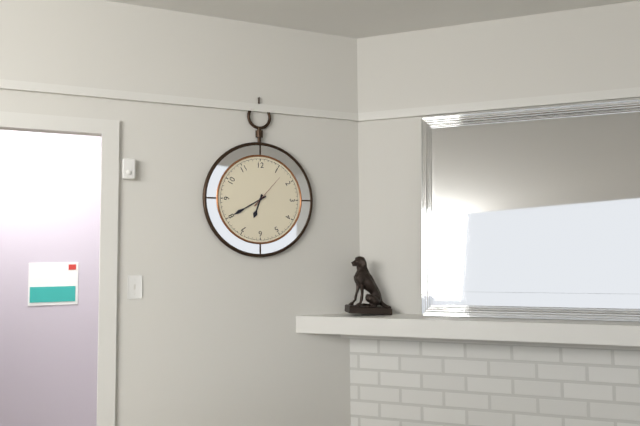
{"hour": 6, "minute": 40}
